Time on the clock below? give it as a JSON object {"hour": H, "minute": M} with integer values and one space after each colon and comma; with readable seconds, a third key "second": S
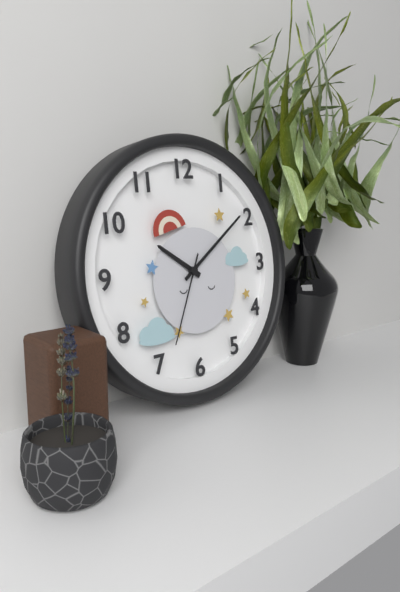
{"hour": 10, "minute": 9, "second": 34}
